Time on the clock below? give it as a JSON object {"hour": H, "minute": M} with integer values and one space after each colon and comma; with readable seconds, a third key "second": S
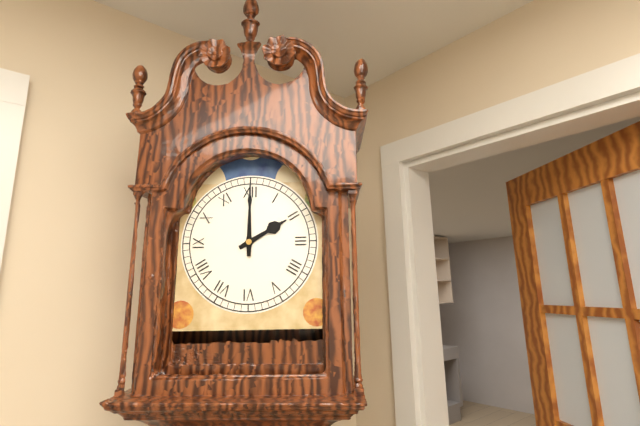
{"hour": 2, "minute": 0}
